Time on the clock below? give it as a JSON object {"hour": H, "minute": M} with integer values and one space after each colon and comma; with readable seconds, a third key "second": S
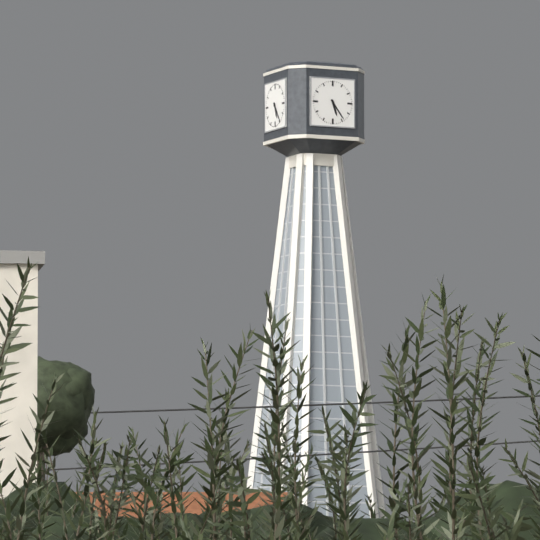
{"hour": 5, "minute": 24}
